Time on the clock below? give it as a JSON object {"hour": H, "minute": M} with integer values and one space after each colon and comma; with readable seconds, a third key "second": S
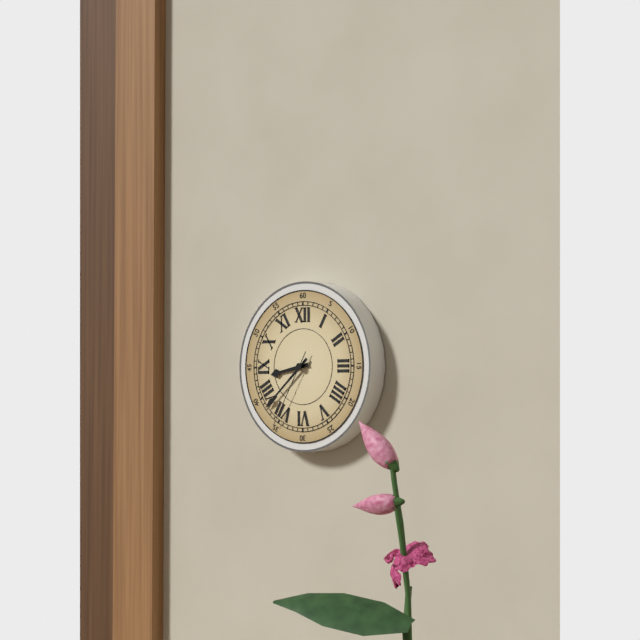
{"hour": 8, "minute": 38, "second": 35}
